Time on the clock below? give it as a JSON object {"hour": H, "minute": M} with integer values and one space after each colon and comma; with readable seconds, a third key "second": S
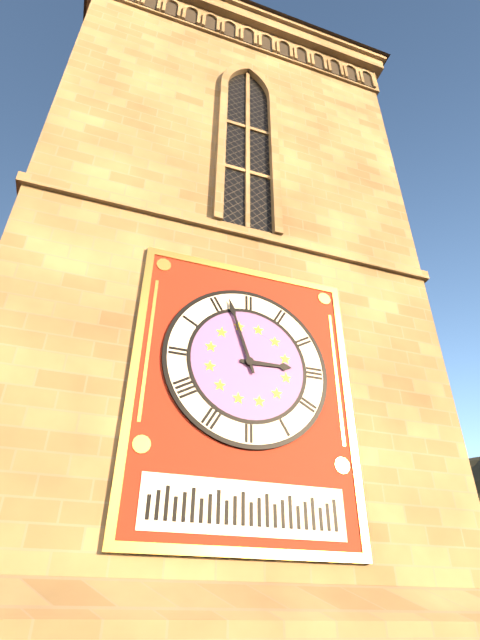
{"hour": 2, "minute": 57}
